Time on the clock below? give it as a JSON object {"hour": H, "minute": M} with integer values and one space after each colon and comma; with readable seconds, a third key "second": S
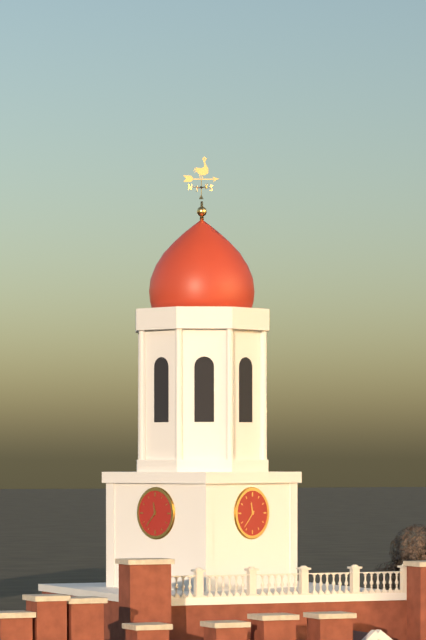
{"hour": 11, "minute": 37}
